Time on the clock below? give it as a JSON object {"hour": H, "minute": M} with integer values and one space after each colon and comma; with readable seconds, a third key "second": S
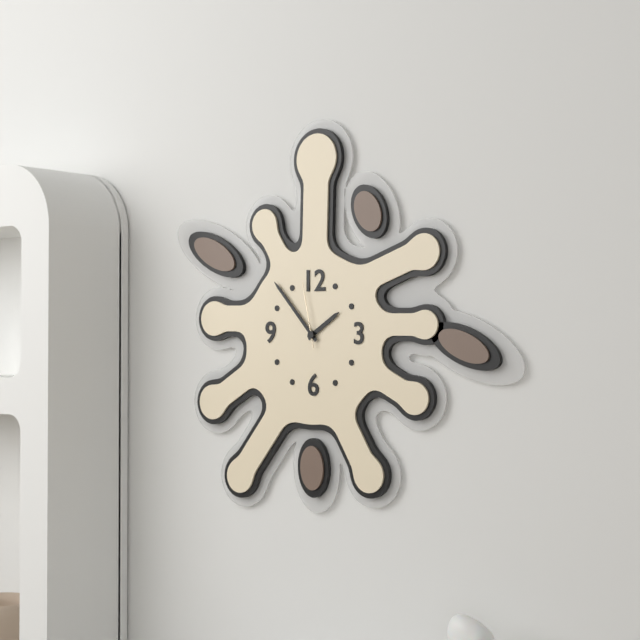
{"hour": 1, "minute": 53, "second": 58}
